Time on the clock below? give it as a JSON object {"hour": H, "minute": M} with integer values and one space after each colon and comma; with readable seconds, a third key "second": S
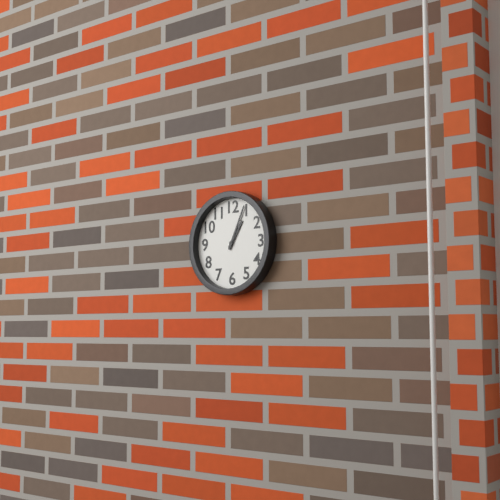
{"hour": 1, "minute": 4}
